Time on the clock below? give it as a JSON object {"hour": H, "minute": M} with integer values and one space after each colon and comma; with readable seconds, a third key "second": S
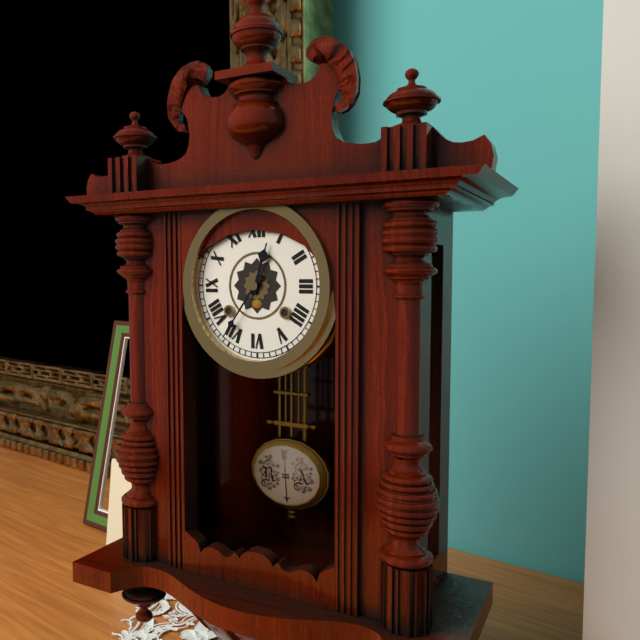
{"hour": 12, "minute": 36}
